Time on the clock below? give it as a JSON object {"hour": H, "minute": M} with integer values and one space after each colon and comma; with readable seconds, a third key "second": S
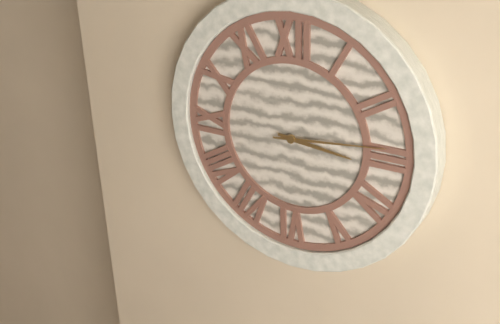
{"hour": 3, "minute": 14}
